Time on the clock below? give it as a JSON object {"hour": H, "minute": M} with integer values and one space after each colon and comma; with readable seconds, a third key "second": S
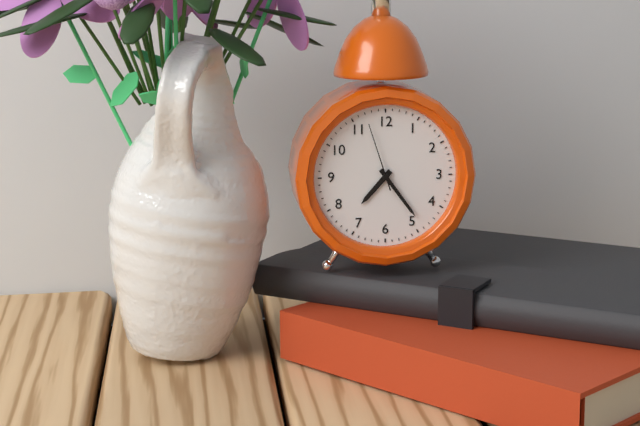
{"hour": 7, "minute": 24, "second": 57}
